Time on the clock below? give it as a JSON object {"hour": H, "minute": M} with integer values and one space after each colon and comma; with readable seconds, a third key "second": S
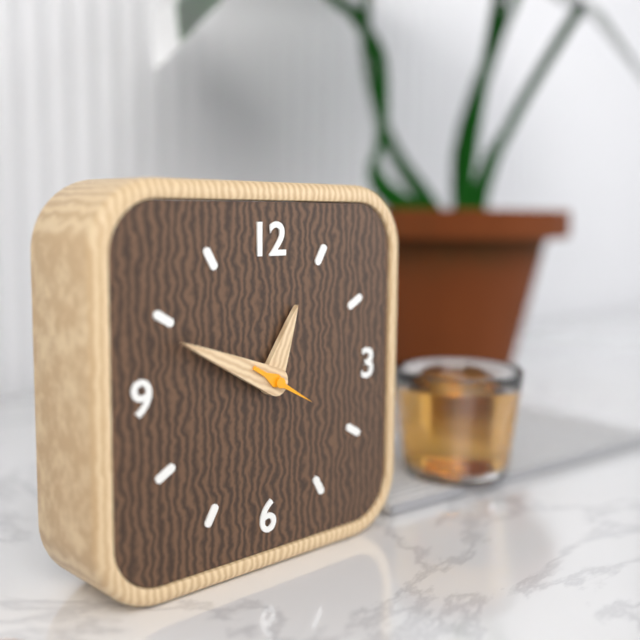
{"hour": 12, "minute": 49}
